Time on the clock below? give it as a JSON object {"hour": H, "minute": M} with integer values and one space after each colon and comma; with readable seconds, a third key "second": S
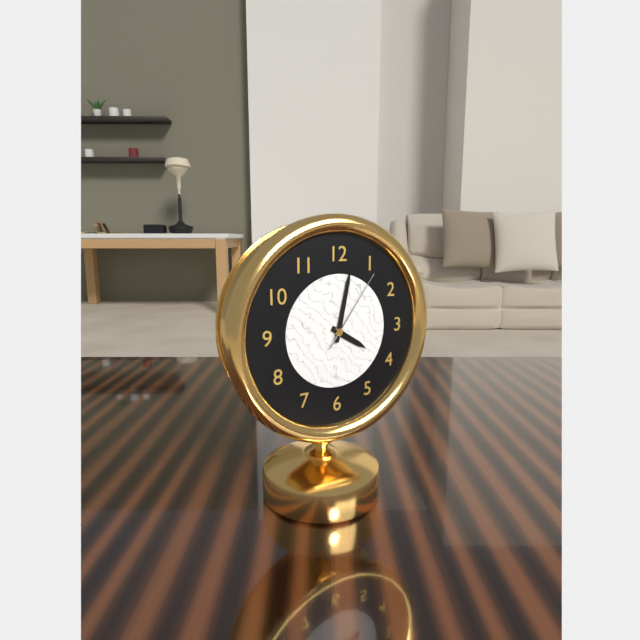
{"hour": 4, "minute": 2, "second": 6}
